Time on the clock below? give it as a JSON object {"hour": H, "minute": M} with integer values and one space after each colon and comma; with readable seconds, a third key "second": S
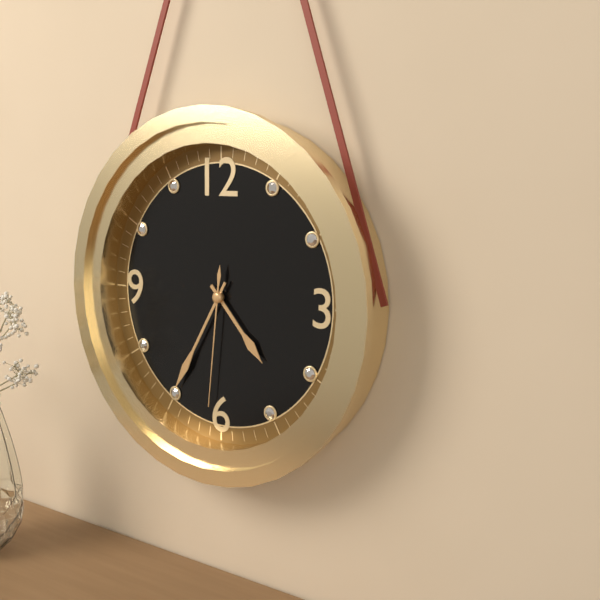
{"hour": 4, "minute": 35, "second": 31}
